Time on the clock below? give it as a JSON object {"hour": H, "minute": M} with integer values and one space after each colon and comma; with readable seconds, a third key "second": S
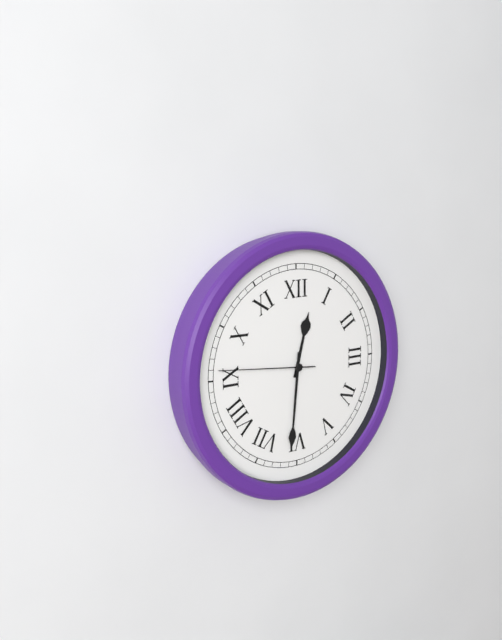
{"hour": 12, "minute": 31, "second": 46}
